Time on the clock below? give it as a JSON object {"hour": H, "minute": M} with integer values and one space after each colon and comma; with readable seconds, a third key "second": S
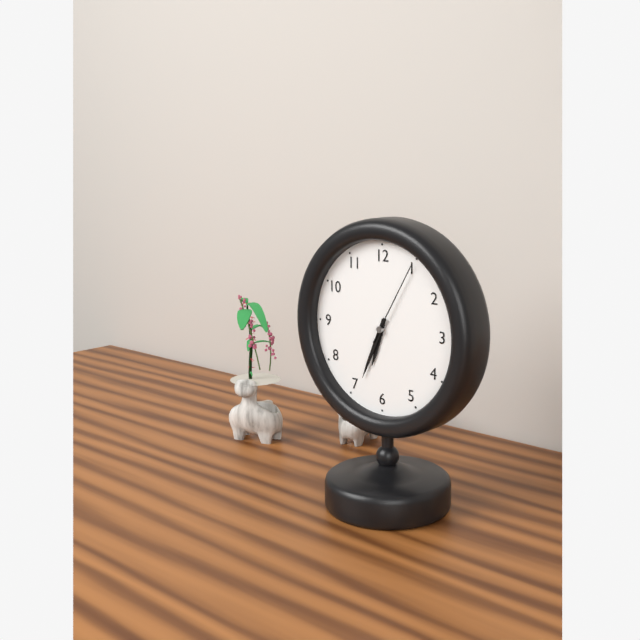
{"hour": 6, "minute": 34, "second": 5}
